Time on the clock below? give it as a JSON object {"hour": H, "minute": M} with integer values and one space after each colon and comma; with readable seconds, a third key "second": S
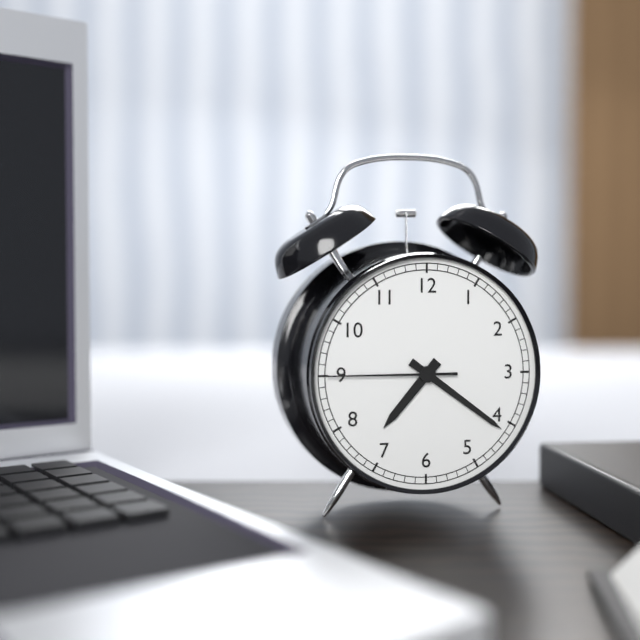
{"hour": 7, "minute": 21, "second": 45}
